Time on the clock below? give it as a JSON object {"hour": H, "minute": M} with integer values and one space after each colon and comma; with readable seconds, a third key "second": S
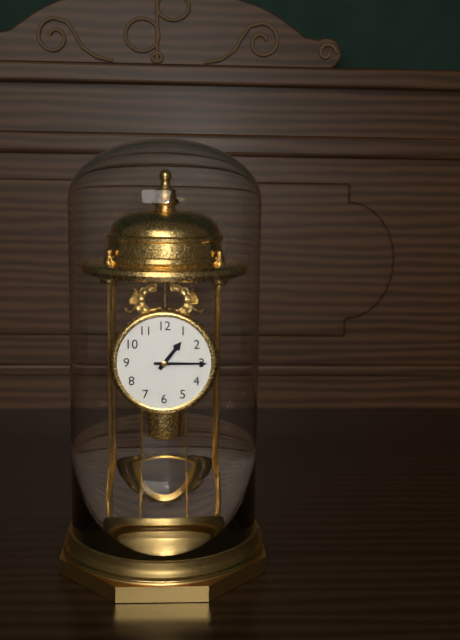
{"hour": 1, "minute": 15}
